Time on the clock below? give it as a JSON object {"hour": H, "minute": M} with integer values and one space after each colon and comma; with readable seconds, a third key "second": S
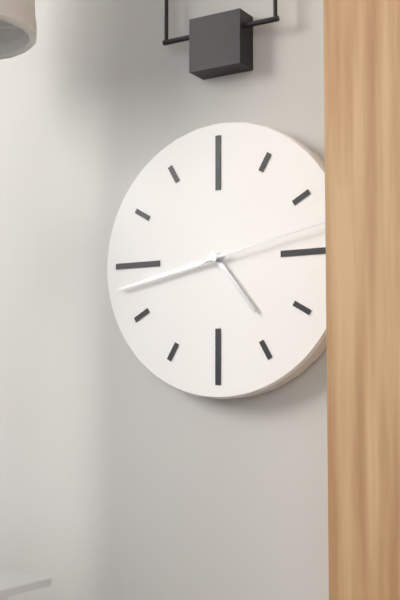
{"hour": 4, "minute": 43, "second": 13}
